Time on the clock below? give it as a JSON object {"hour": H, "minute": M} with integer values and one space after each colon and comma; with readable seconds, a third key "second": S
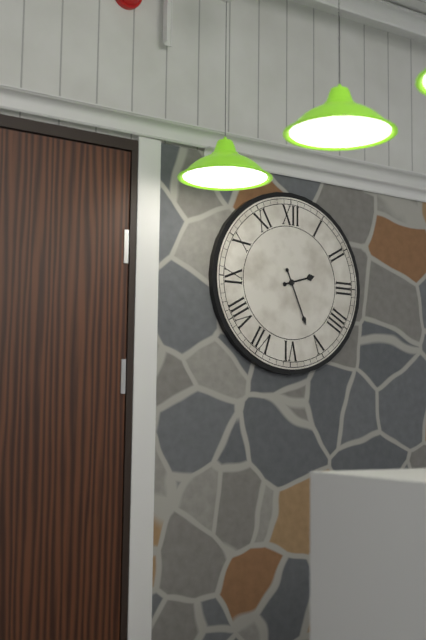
{"hour": 2, "minute": 26}
